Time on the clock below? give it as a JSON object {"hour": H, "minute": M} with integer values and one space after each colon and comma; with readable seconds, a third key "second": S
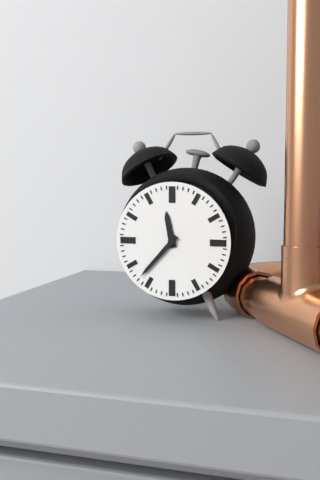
{"hour": 11, "minute": 37}
